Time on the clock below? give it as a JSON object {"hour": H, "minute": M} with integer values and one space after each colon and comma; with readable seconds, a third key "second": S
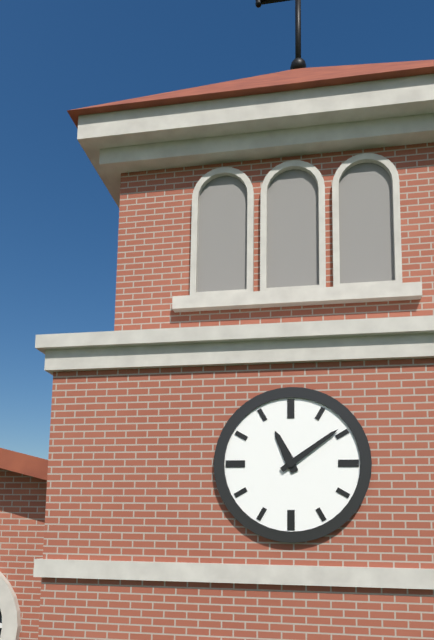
{"hour": 11, "minute": 9}
